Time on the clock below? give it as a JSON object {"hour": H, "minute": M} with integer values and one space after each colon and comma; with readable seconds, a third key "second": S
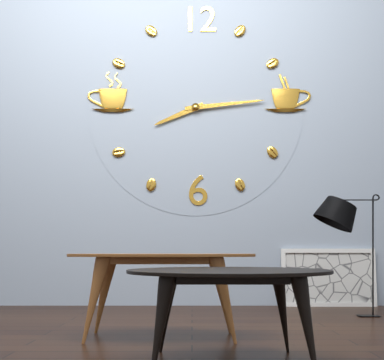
{"hour": 8, "minute": 14}
